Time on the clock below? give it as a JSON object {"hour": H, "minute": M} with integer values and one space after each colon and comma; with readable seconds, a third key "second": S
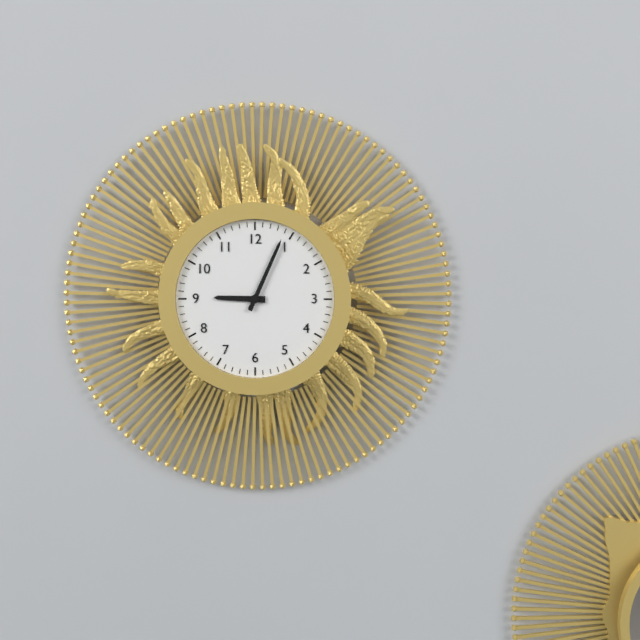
{"hour": 9, "minute": 4}
